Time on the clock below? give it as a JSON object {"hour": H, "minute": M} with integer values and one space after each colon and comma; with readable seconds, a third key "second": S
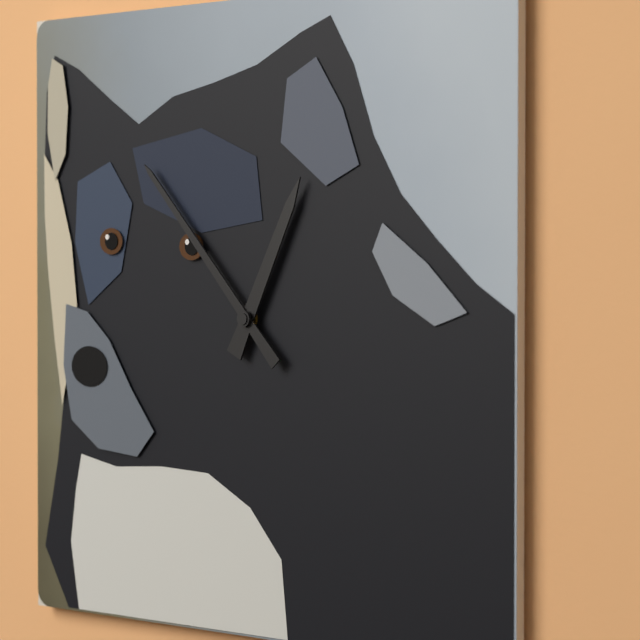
{"hour": 12, "minute": 53}
